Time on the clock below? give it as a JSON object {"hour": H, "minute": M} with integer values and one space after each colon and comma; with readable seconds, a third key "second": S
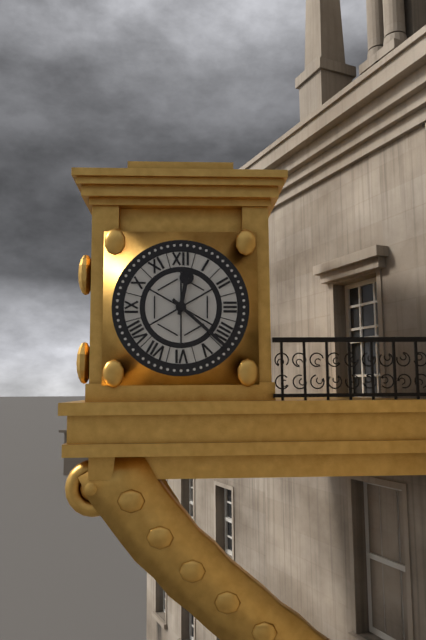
{"hour": 12, "minute": 22}
